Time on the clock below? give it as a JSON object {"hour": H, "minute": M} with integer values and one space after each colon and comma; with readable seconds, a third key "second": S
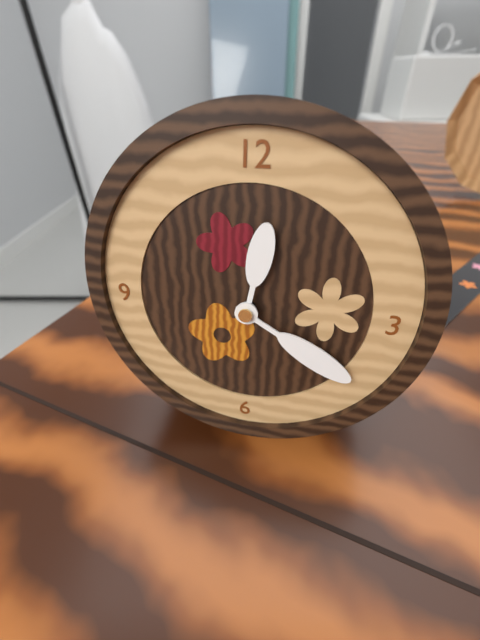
{"hour": 12, "minute": 20}
